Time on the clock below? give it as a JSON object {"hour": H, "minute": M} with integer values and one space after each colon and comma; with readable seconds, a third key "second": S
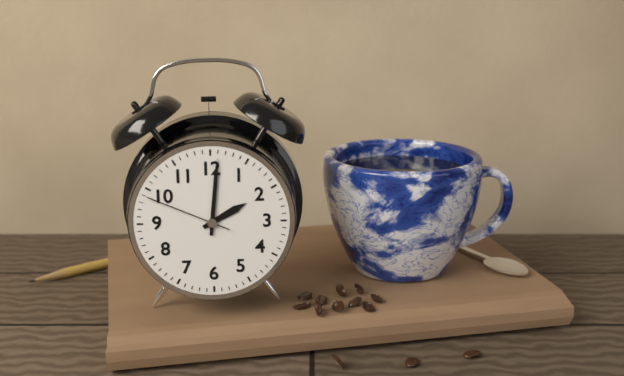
{"hour": 2, "minute": 1, "second": 49}
